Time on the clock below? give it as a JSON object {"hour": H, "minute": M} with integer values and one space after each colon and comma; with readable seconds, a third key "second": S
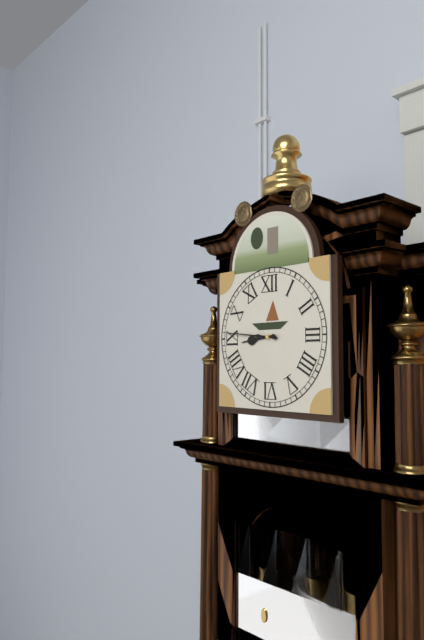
{"hour": 8, "minute": 46}
